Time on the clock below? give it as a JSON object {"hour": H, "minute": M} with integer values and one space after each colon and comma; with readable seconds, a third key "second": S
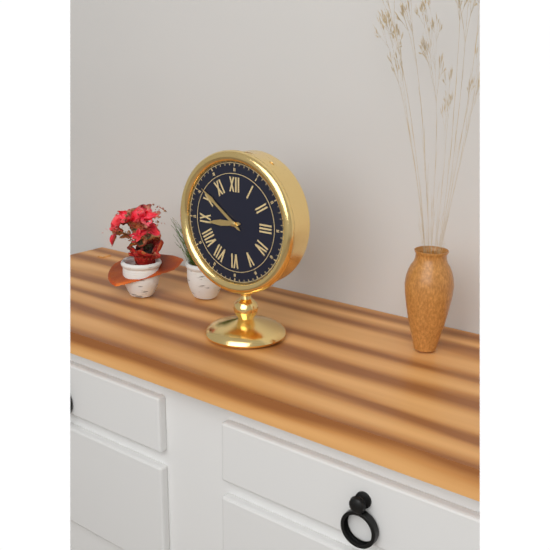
{"hour": 8, "minute": 51}
